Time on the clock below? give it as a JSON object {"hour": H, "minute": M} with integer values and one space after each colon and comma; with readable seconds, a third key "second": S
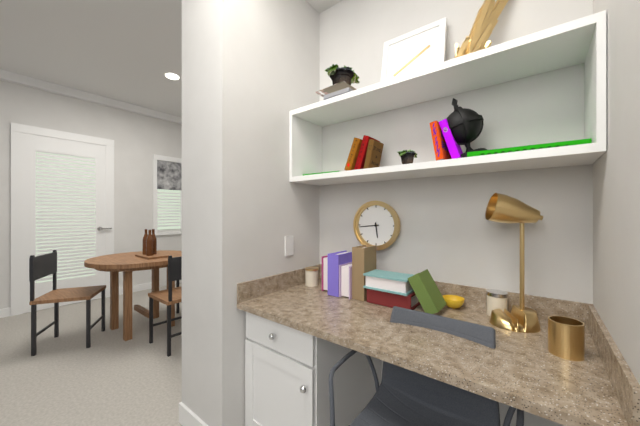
{"hour": 5, "minute": 44}
